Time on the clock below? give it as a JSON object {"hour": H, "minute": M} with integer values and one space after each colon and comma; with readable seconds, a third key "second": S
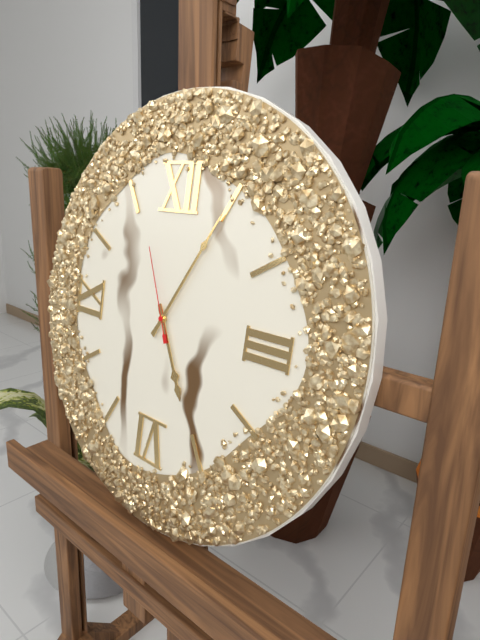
{"hour": 5, "minute": 5, "second": 56}
